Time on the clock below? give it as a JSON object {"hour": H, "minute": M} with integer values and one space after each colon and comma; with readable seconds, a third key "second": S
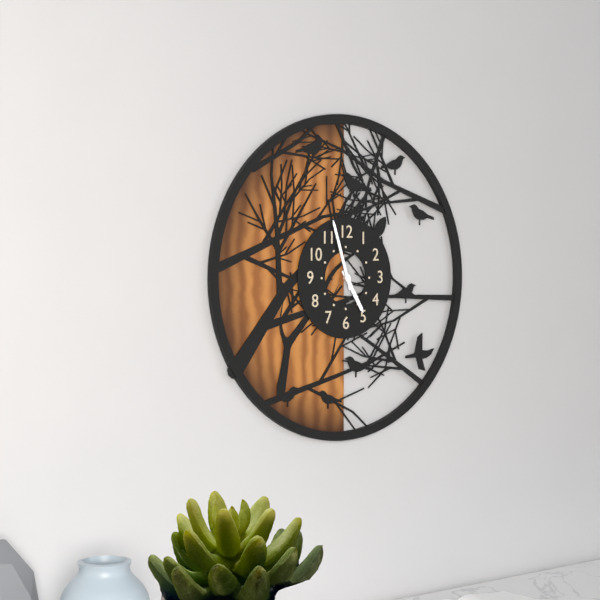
{"hour": 4, "minute": 57}
